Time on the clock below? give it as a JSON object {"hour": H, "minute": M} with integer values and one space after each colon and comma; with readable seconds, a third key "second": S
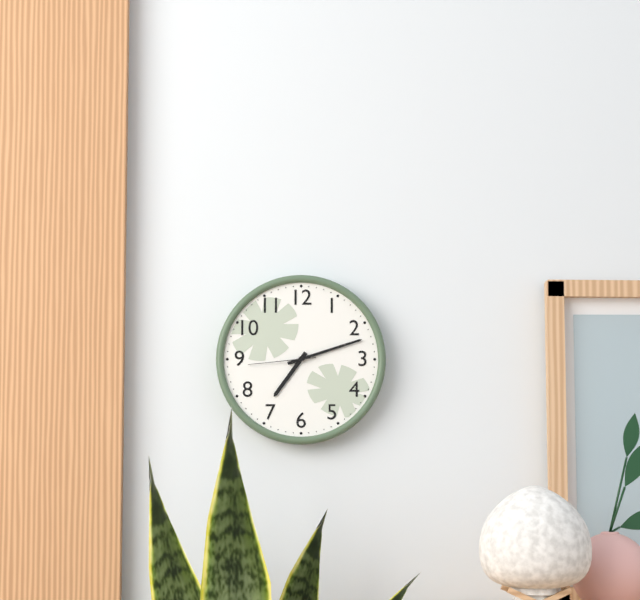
{"hour": 7, "minute": 12, "second": 44}
